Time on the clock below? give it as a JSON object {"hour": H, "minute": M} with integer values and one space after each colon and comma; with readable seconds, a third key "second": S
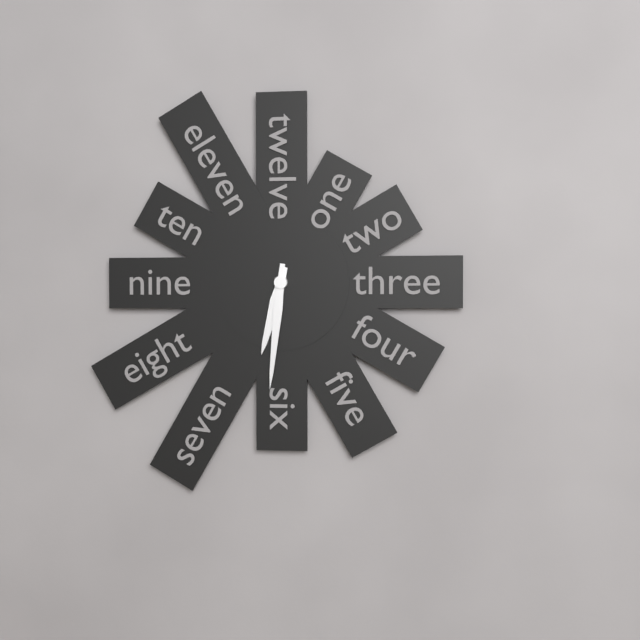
{"hour": 6, "minute": 31}
